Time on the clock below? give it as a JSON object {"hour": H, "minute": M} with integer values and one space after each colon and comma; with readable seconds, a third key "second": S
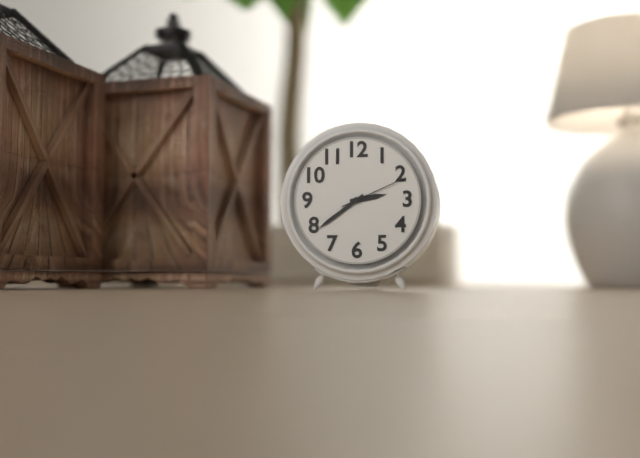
{"hour": 2, "minute": 39, "second": 11}
